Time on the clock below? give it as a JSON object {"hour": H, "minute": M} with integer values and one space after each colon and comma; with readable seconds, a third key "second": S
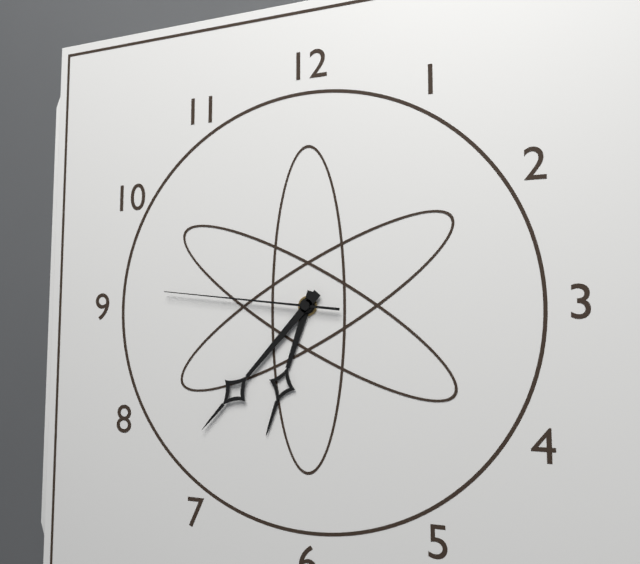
{"hour": 6, "minute": 37, "second": 46}
